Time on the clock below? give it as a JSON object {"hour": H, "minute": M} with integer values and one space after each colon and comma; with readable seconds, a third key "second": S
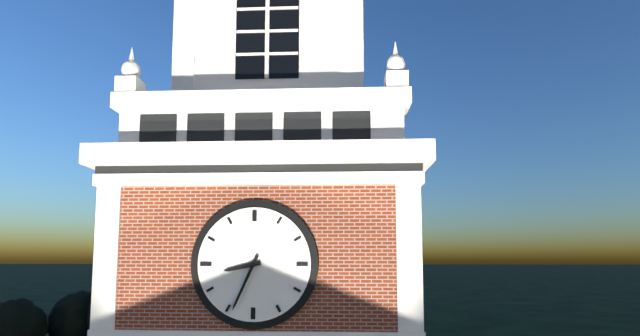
{"hour": 8, "minute": 34}
